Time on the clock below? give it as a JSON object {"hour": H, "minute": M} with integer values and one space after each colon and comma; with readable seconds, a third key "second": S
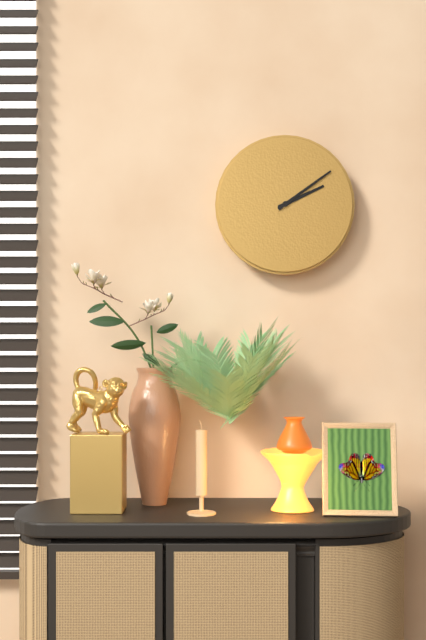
{"hour": 2, "minute": 9}
